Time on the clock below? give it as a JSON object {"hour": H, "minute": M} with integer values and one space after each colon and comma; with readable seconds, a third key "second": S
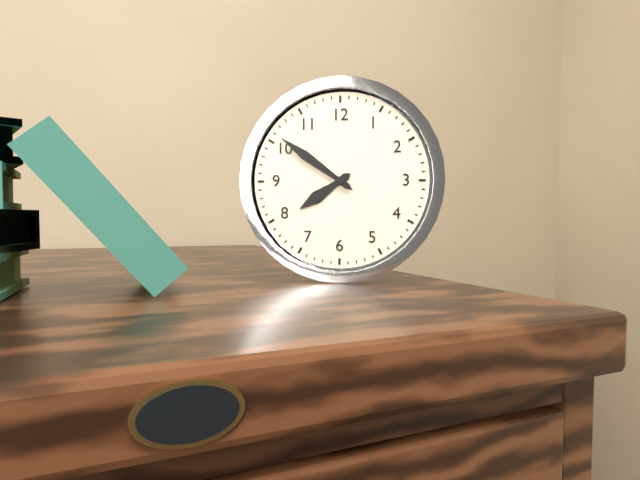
{"hour": 7, "minute": 51}
